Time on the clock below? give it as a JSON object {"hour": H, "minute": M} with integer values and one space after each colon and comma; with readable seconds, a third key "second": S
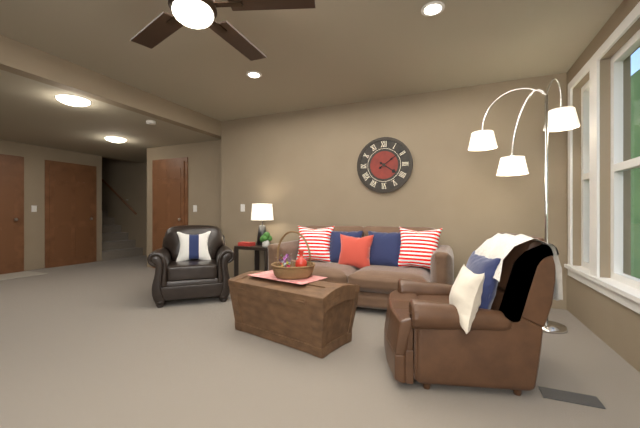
{"hour": 4, "minute": 9}
